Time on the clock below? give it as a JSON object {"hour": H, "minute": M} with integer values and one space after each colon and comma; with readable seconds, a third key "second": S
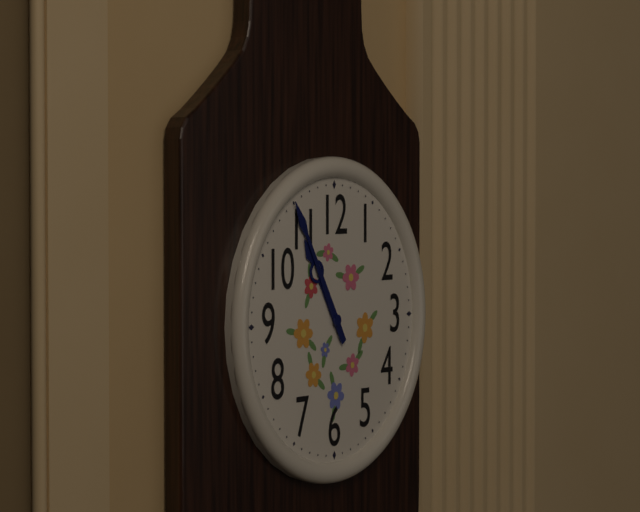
{"hour": 10, "minute": 55}
